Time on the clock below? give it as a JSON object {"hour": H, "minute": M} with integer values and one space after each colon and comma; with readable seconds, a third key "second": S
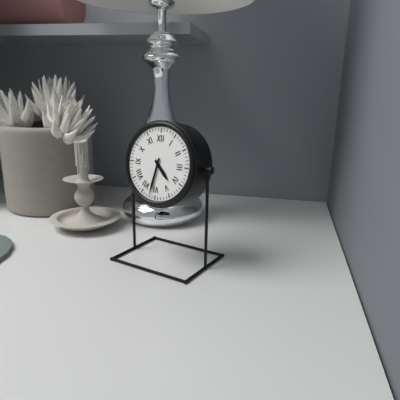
{"hour": 4, "minute": 32}
